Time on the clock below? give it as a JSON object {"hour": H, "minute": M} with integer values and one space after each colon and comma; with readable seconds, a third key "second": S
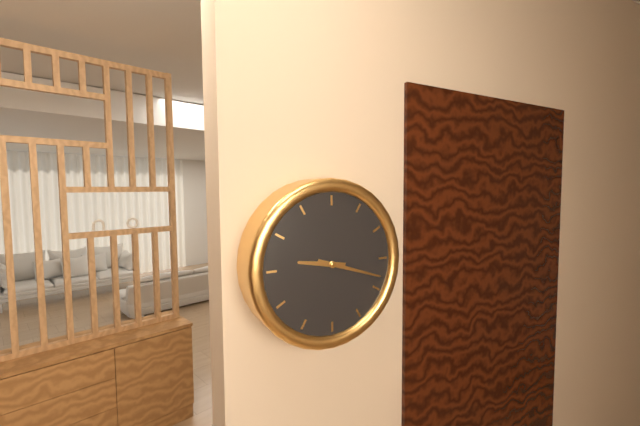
{"hour": 9, "minute": 18}
